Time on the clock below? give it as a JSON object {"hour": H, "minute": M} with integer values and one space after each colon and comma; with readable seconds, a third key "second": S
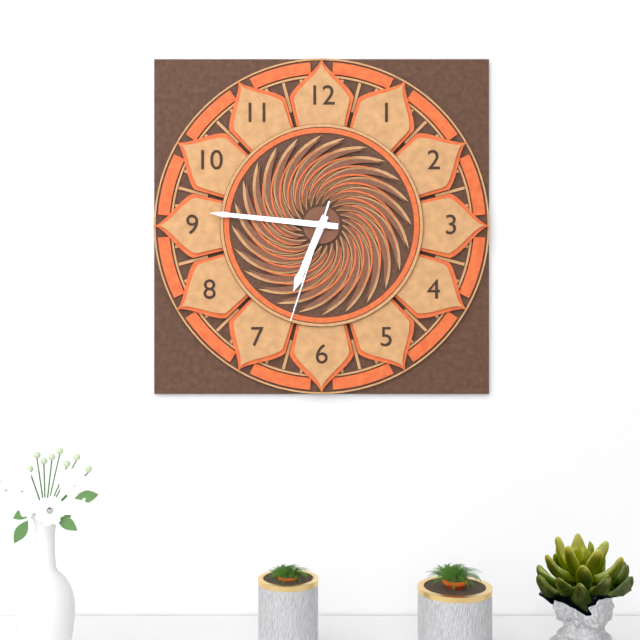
{"hour": 6, "minute": 46, "second": 33}
